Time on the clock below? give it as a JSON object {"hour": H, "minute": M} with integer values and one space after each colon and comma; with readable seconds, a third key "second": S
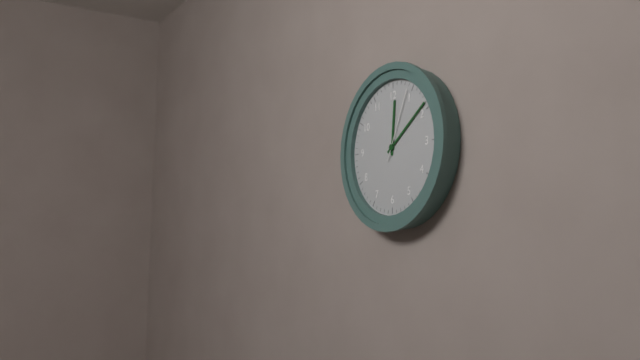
{"hour": 12, "minute": 9, "second": 4}
